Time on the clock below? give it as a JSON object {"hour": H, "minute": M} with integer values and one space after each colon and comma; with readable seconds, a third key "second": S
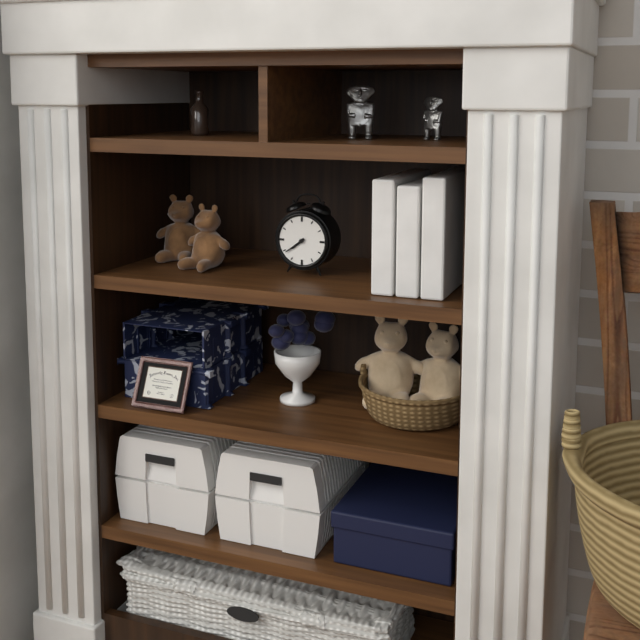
{"hour": 7, "minute": 39}
